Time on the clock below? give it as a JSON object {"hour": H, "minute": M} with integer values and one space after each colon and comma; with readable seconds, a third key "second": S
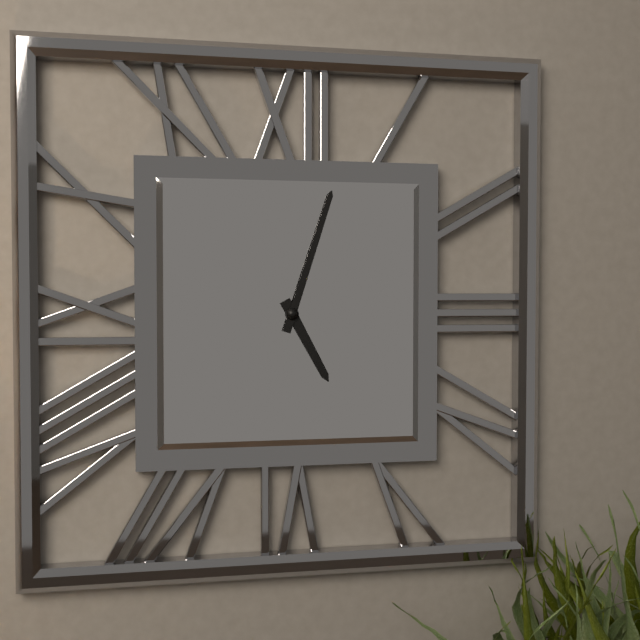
{"hour": 5, "minute": 3}
